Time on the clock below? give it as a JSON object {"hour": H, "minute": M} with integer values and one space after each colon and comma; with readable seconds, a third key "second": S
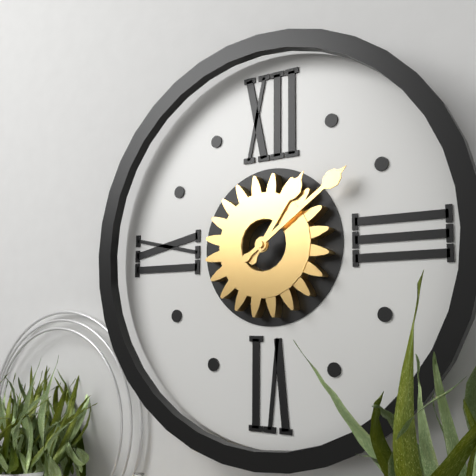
{"hour": 1, "minute": 9}
